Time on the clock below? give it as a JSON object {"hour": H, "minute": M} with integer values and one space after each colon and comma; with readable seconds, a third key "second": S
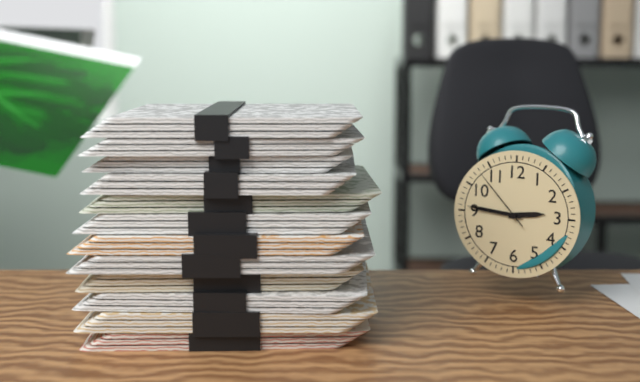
{"hour": 2, "minute": 46, "second": 53}
